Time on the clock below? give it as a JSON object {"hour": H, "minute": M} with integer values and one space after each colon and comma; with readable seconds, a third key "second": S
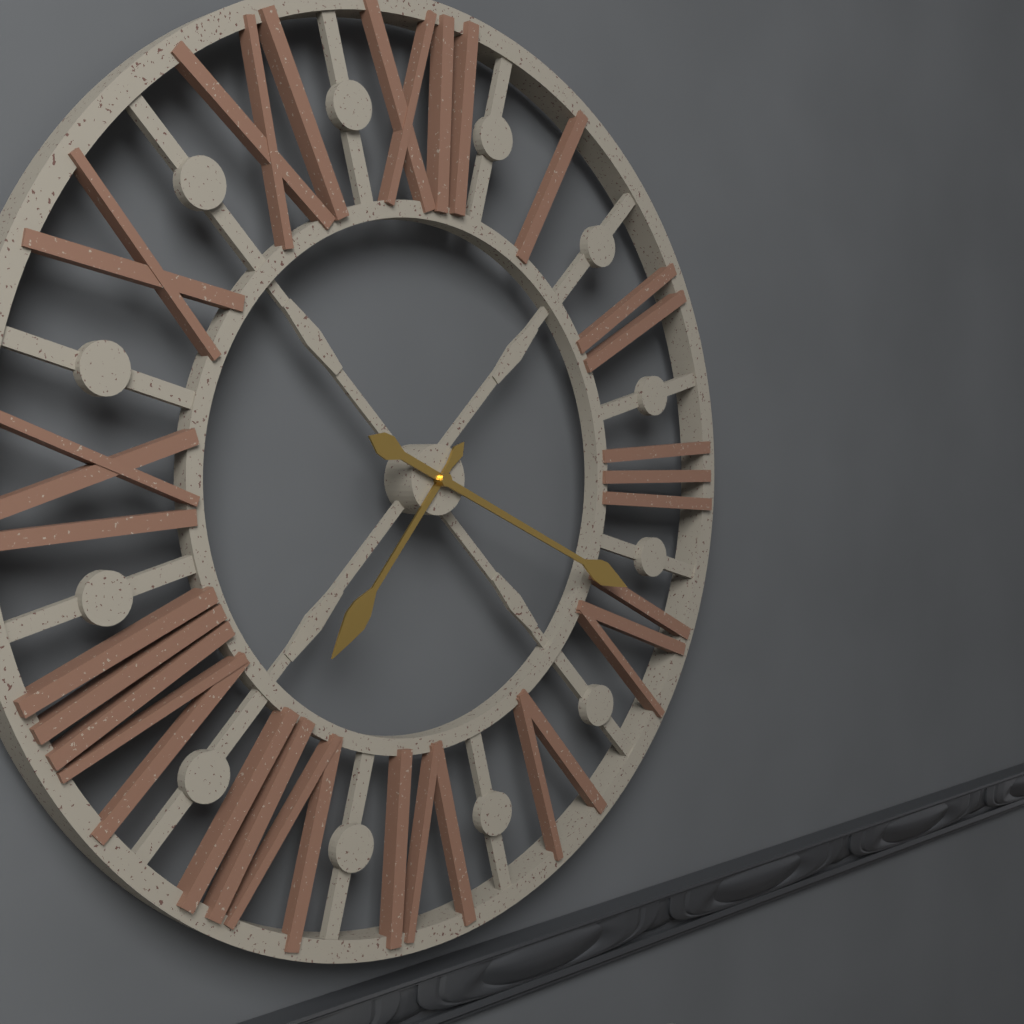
{"hour": 7, "minute": 19}
